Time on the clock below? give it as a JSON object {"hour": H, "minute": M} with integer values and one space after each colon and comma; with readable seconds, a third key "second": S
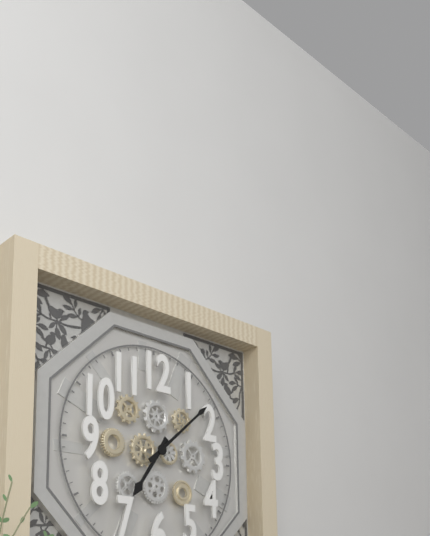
{"hour": 7, "minute": 8}
